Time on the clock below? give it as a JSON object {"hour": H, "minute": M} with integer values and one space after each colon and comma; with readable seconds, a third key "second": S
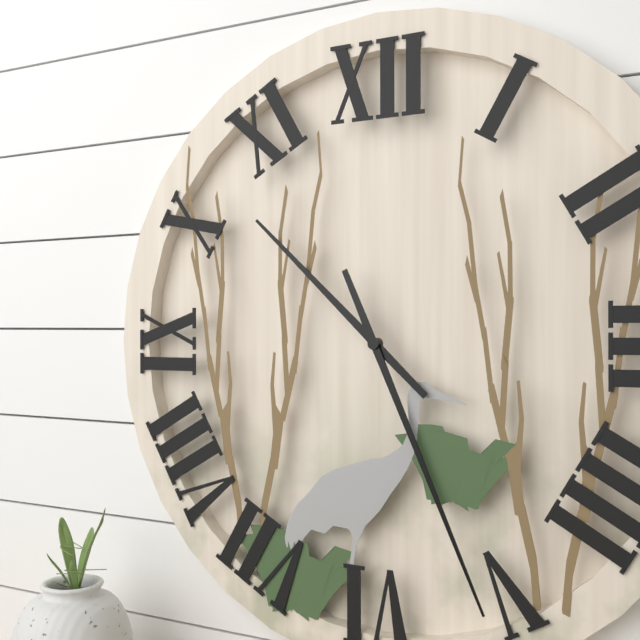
{"hour": 10, "minute": 26}
